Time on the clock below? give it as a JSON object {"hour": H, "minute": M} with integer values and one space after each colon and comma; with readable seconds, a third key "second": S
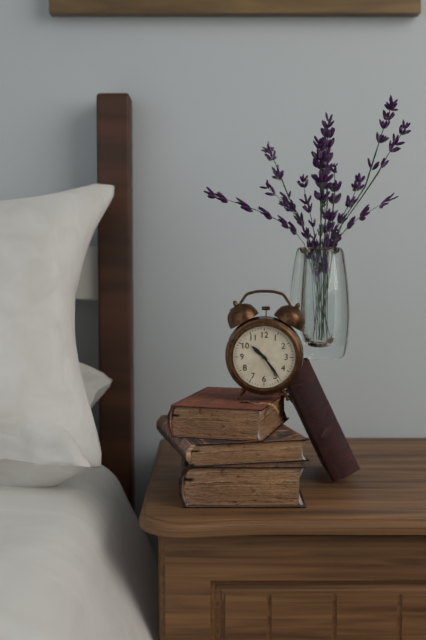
{"hour": 10, "minute": 24}
